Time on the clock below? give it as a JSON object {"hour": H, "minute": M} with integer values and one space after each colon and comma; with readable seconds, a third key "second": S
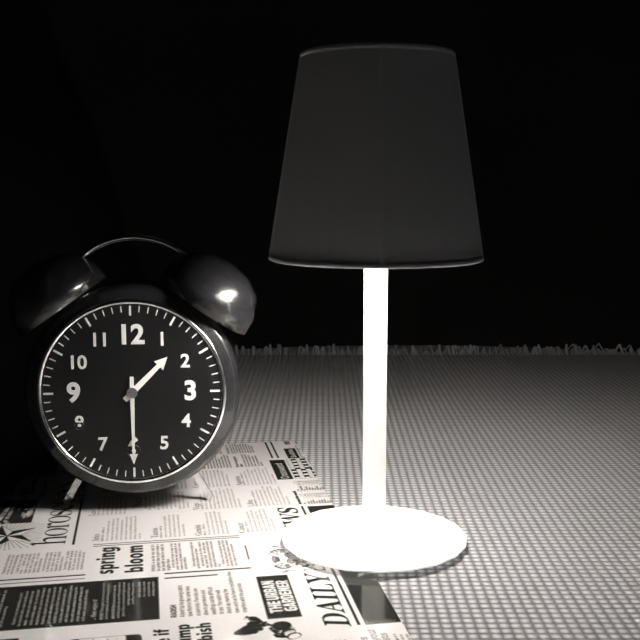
{"hour": 1, "minute": 30}
